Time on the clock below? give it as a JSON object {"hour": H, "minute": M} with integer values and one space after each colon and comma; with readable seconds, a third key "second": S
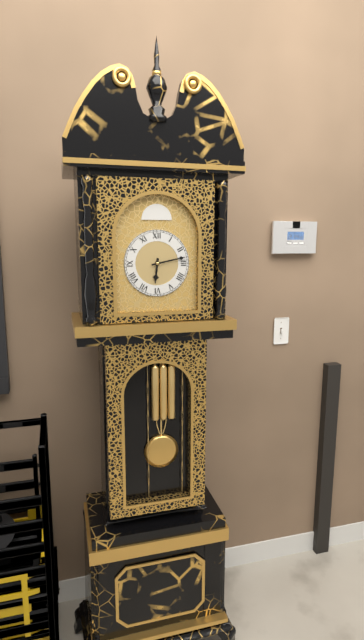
{"hour": 6, "minute": 13}
